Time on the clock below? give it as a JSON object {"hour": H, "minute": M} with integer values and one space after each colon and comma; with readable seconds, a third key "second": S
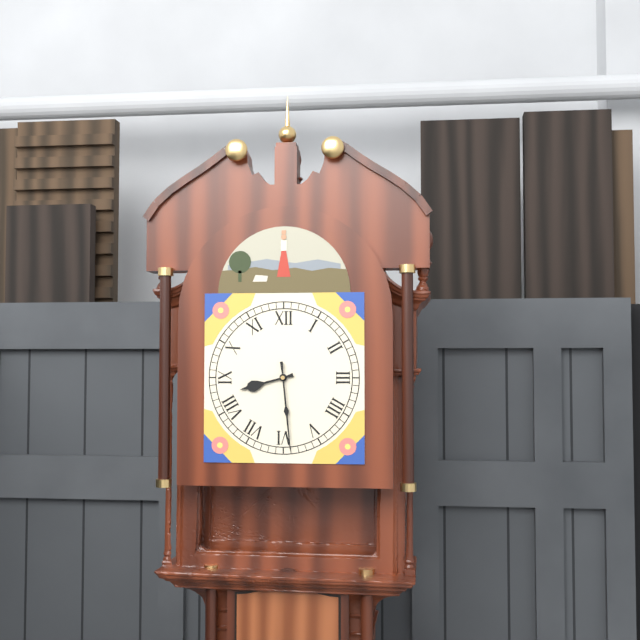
{"hour": 8, "minute": 29}
